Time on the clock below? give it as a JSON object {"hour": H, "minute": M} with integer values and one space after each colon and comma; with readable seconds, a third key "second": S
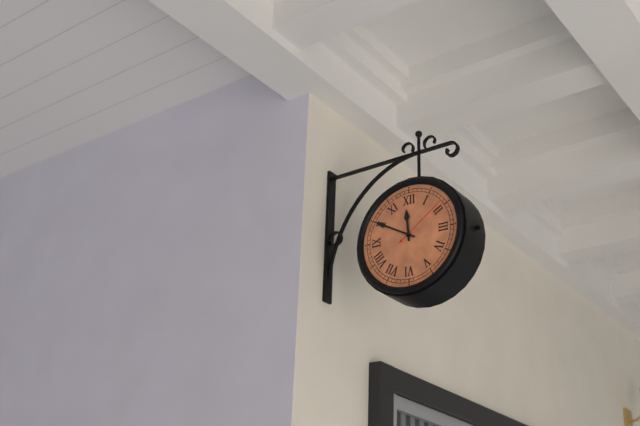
{"hour": 11, "minute": 50, "second": 9}
